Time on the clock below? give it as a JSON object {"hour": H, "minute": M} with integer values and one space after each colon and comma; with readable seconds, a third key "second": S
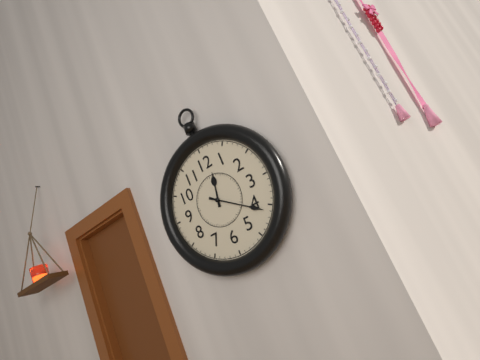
{"hour": 12, "minute": 21}
